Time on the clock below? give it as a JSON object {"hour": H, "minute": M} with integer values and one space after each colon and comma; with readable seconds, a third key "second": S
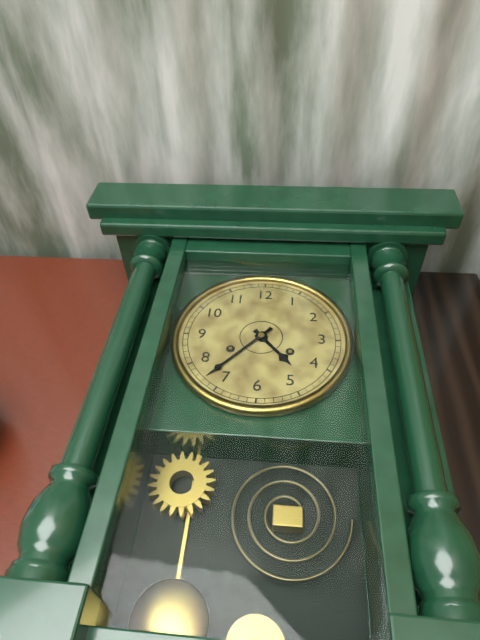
{"hour": 4, "minute": 37}
